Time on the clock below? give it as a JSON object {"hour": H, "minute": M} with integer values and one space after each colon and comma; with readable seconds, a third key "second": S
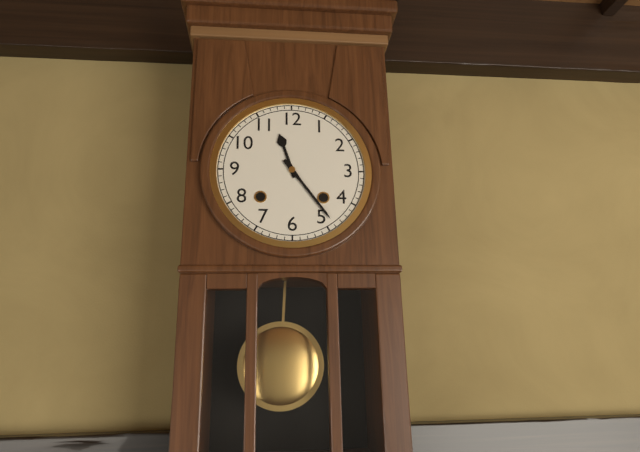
{"hour": 11, "minute": 24}
